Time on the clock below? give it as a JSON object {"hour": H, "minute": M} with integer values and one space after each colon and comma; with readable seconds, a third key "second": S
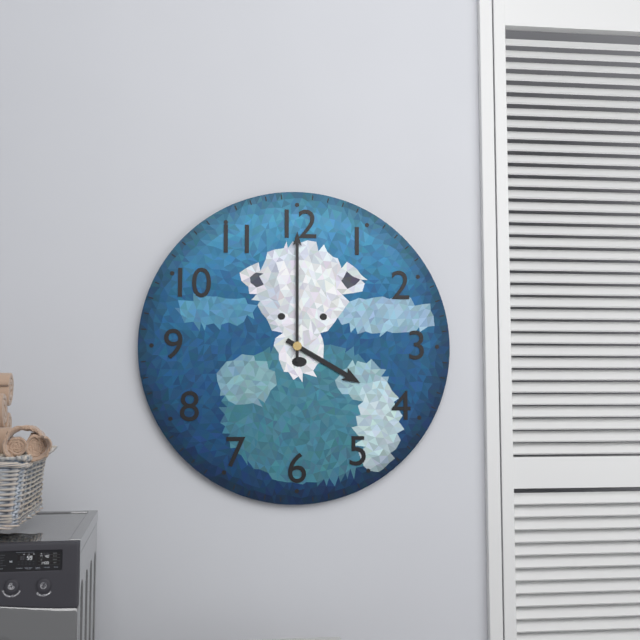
{"hour": 4, "minute": 0}
